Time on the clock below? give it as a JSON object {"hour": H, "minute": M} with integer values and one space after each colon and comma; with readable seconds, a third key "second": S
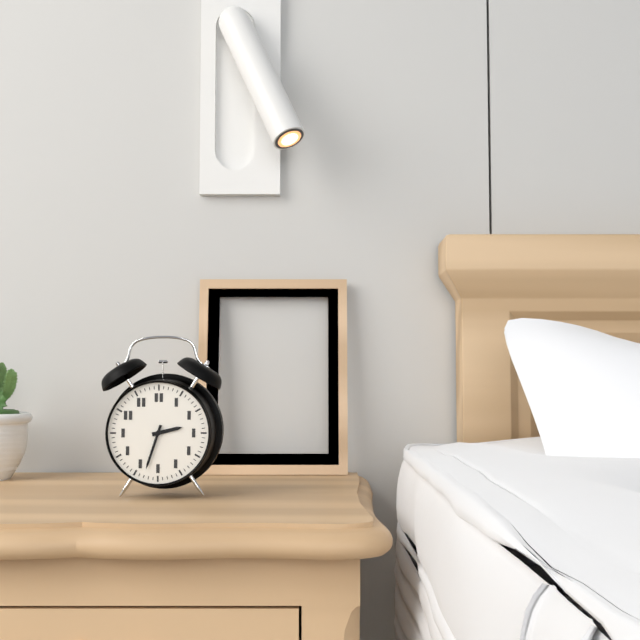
{"hour": 2, "minute": 33}
